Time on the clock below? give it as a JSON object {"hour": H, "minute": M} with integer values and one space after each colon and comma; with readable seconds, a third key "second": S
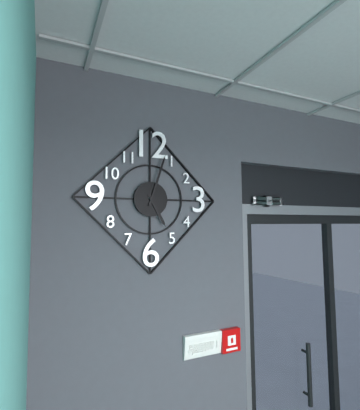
{"hour": 5, "minute": 3}
